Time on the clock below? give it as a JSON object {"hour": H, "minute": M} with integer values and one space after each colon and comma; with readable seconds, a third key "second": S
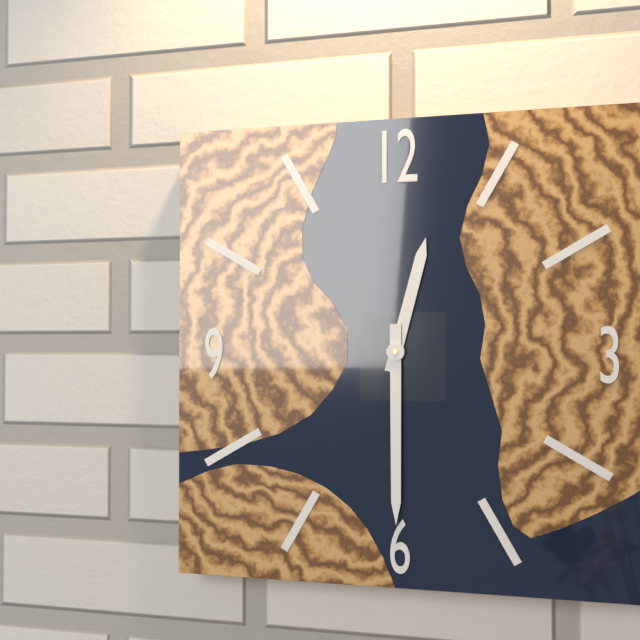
{"hour": 12, "minute": 30}
